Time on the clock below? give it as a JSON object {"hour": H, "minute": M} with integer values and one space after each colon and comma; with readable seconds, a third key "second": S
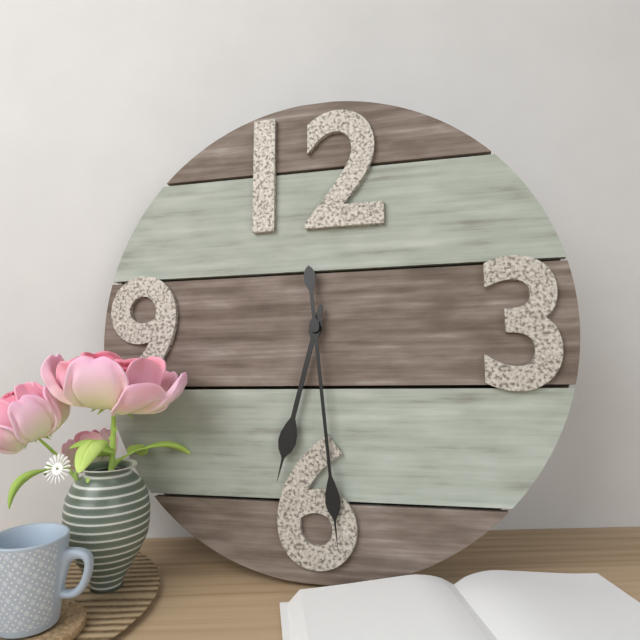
{"hour": 6, "minute": 29}
